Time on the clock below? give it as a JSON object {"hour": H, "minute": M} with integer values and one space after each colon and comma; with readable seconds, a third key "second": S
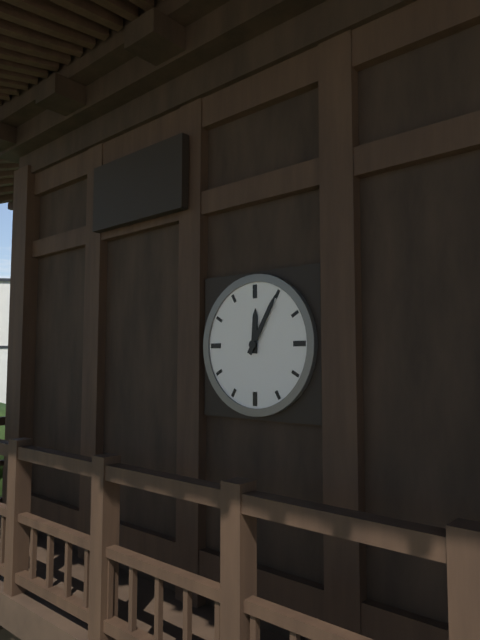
{"hour": 12, "minute": 5}
